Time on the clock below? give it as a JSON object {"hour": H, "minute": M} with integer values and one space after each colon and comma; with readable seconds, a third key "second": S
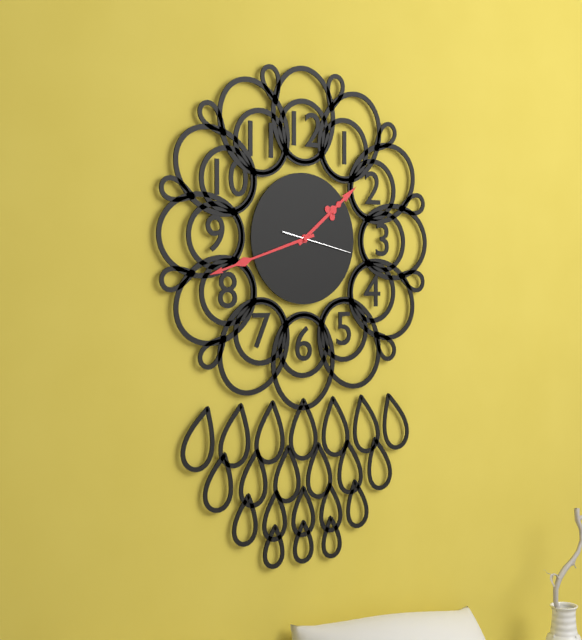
{"hour": 1, "minute": 42, "second": 17}
